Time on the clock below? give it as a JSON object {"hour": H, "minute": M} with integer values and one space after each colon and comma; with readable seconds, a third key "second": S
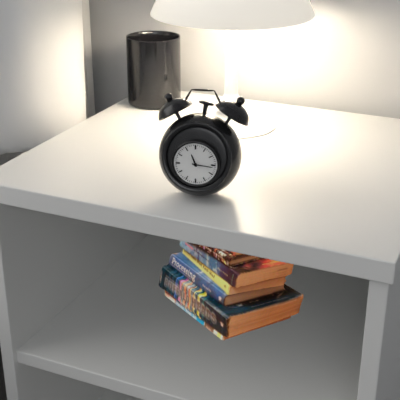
{"hour": 11, "minute": 16}
